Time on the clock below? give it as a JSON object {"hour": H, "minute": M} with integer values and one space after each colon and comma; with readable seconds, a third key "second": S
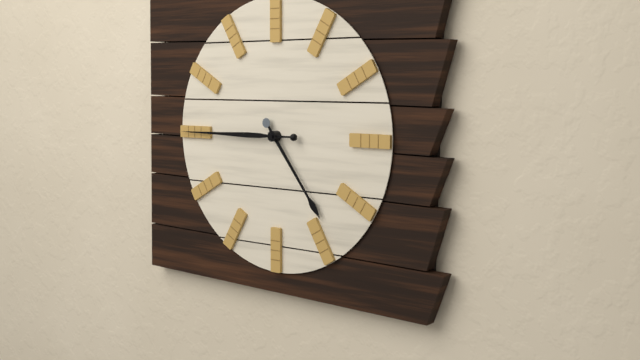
{"hour": 4, "minute": 45}
